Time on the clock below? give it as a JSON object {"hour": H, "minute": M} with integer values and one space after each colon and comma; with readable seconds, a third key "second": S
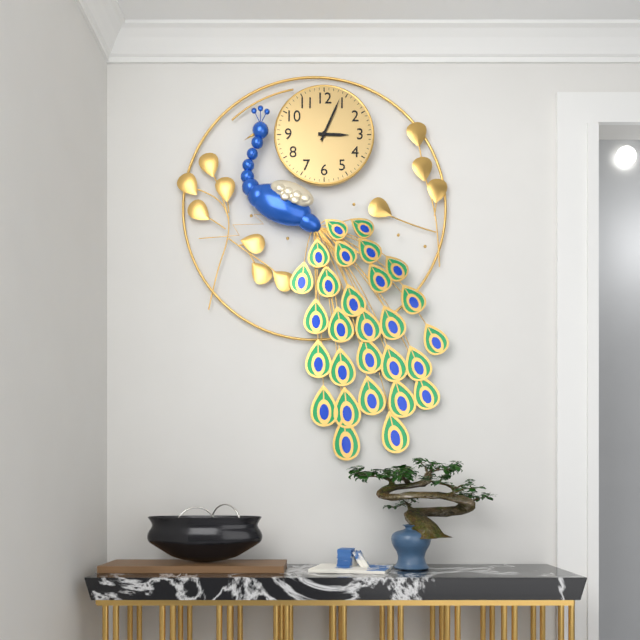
{"hour": 3, "minute": 4}
